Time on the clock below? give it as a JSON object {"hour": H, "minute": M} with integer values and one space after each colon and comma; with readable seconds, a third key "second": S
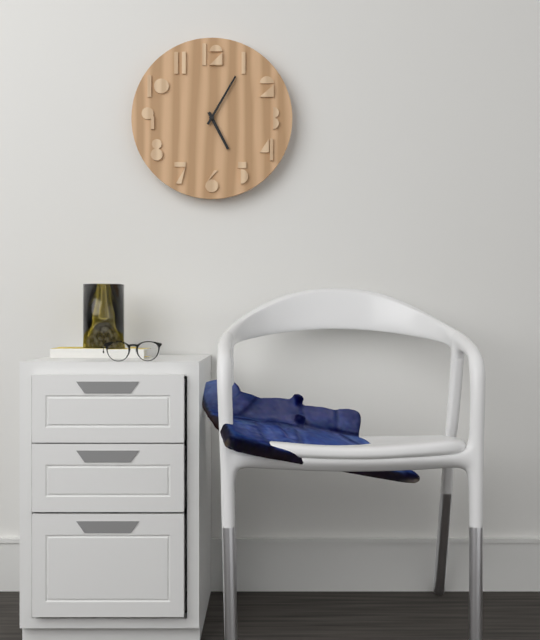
{"hour": 5, "minute": 5}
